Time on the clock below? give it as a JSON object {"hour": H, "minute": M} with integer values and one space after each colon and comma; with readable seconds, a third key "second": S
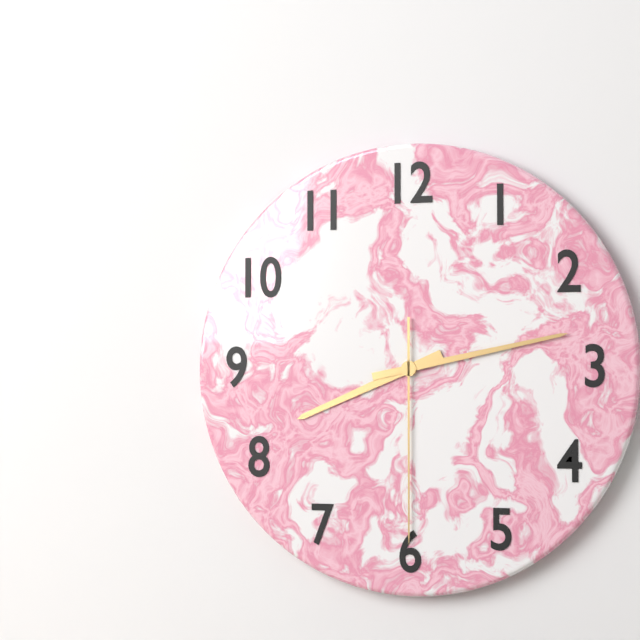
{"hour": 8, "minute": 13, "second": 30}
